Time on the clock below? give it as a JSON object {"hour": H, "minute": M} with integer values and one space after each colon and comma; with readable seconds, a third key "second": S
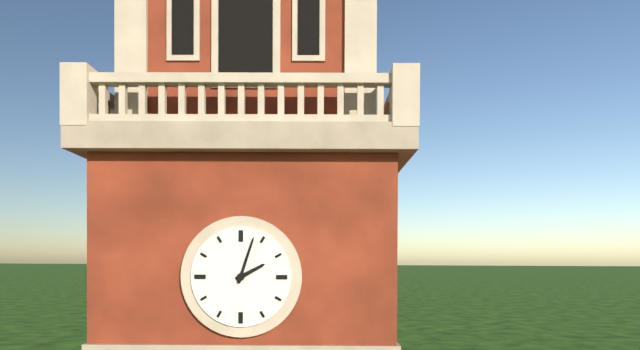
{"hour": 2, "minute": 3}
